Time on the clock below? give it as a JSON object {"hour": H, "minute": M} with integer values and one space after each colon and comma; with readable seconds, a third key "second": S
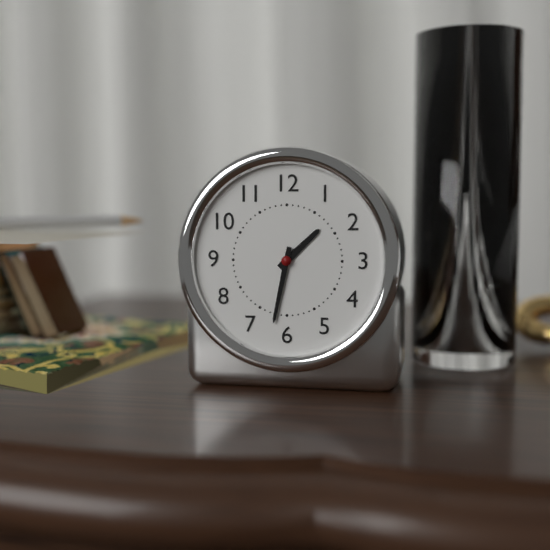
{"hour": 1, "minute": 32}
